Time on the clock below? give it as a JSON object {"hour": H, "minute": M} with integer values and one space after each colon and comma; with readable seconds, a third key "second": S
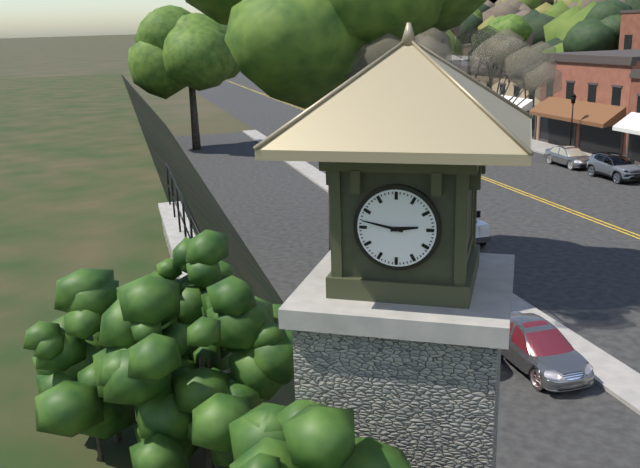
{"hour": 2, "minute": 47}
